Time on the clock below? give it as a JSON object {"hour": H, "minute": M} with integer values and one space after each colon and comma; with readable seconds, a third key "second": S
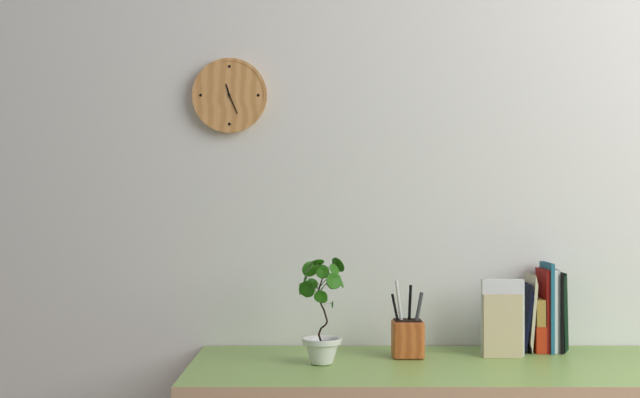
{"hour": 11, "minute": 26}
